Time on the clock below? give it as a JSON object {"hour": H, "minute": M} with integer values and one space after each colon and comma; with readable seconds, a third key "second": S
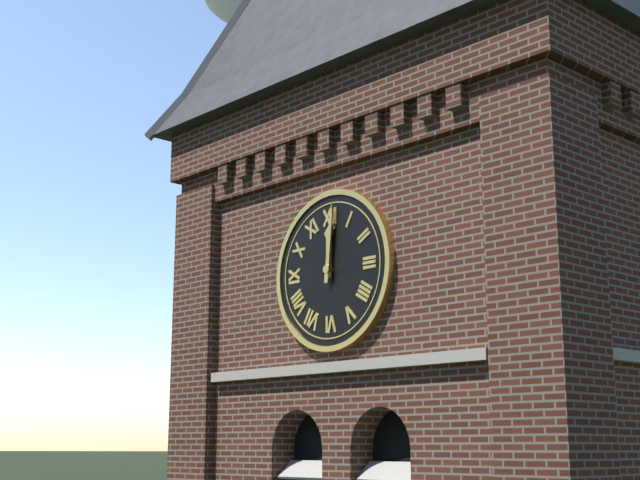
{"hour": 12, "minute": 1}
